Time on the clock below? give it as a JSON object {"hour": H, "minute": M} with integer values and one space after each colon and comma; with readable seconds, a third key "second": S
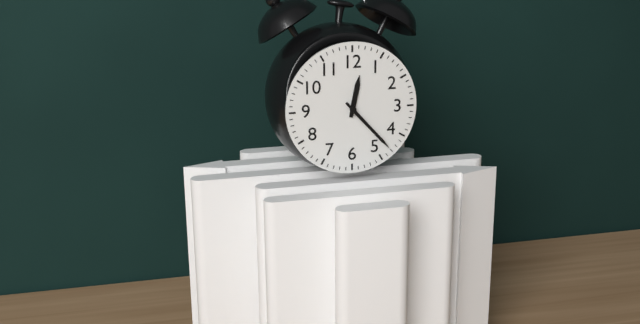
{"hour": 12, "minute": 23}
